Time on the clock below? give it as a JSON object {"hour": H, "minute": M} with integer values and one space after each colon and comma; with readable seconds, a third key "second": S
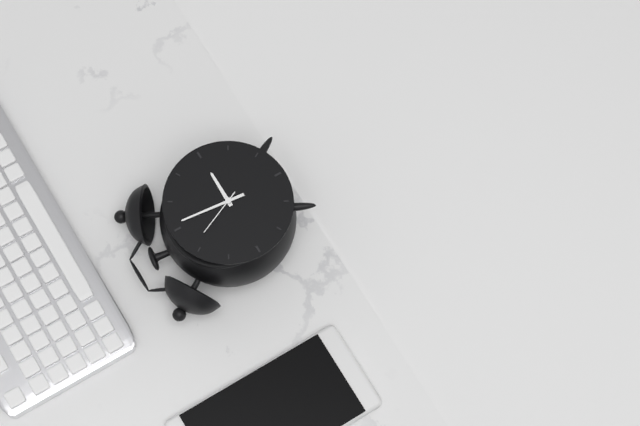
{"hour": 3, "minute": 1, "second": 56}
